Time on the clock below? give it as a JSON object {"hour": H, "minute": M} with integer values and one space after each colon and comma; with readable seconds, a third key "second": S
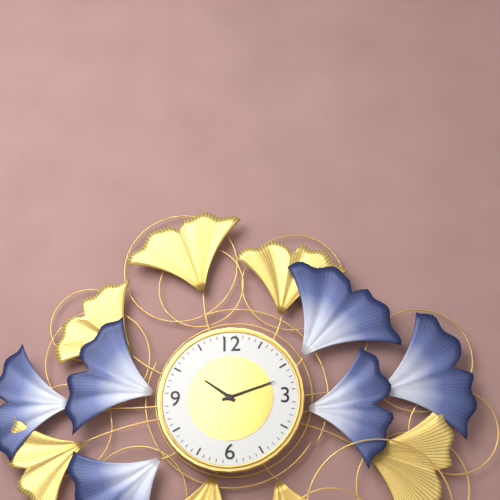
{"hour": 10, "minute": 12}
